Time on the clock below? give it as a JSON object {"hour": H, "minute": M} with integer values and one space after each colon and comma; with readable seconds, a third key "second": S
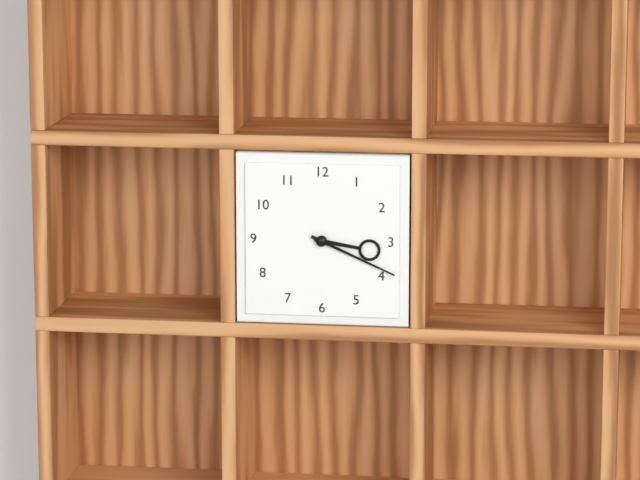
{"hour": 3, "minute": 19}
